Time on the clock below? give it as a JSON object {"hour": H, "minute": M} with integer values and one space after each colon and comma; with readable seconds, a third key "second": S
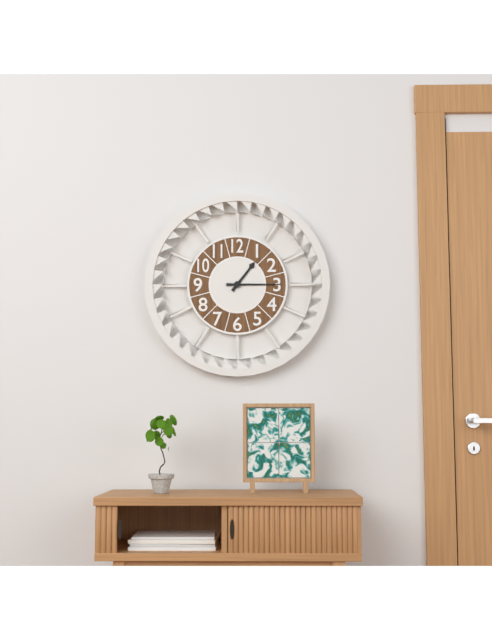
{"hour": 1, "minute": 15}
